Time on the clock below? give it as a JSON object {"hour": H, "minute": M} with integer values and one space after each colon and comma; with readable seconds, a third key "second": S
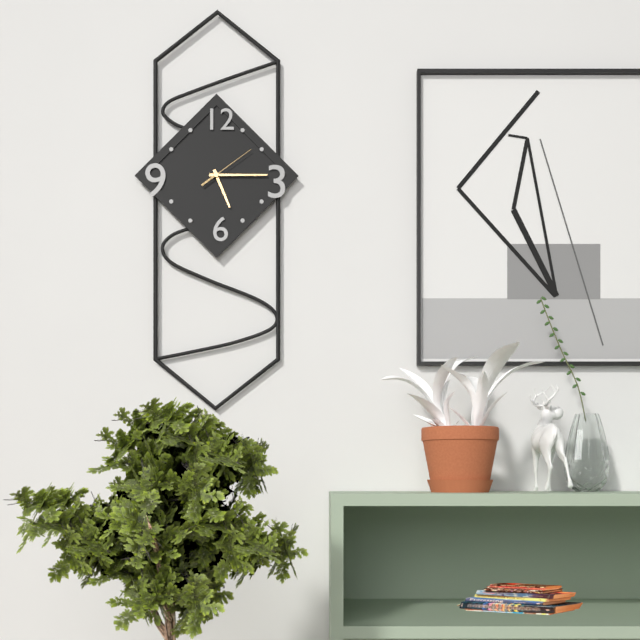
{"hour": 5, "minute": 15, "second": 9}
